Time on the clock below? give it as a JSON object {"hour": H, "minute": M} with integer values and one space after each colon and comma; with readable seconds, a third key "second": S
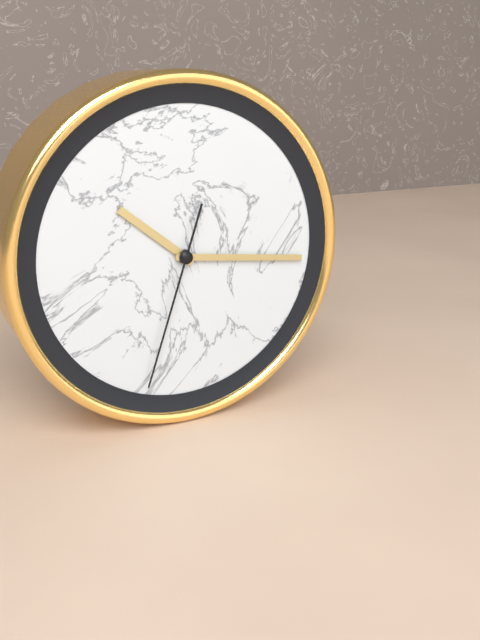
{"hour": 10, "minute": 16, "second": 33}
